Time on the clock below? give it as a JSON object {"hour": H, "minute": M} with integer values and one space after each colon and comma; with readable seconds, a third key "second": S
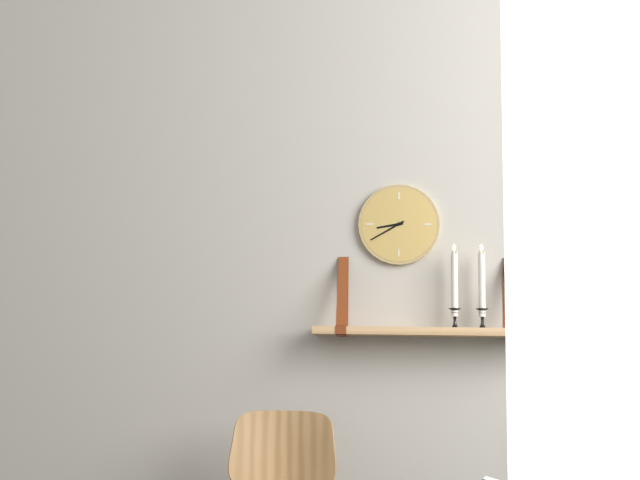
{"hour": 8, "minute": 40}
